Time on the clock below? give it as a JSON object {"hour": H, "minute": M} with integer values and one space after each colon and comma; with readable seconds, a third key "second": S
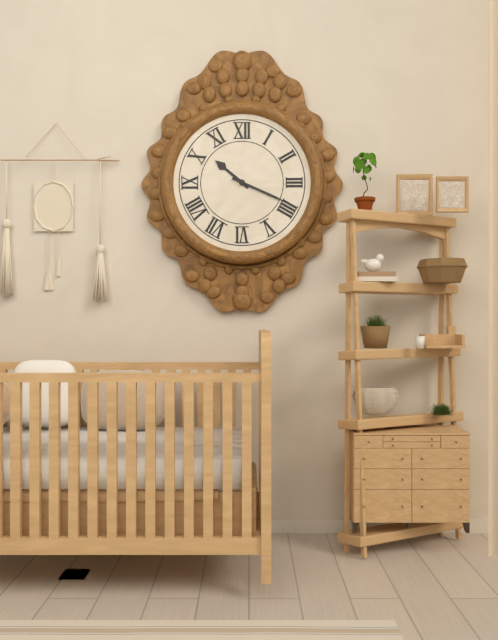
{"hour": 10, "minute": 19}
